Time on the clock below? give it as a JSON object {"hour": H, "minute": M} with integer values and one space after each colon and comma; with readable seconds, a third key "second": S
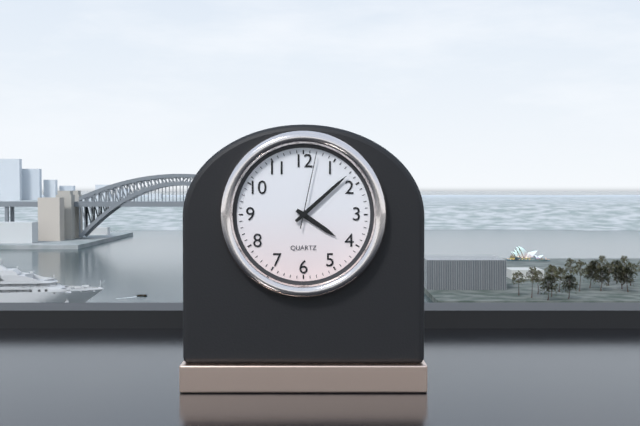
{"hour": 4, "minute": 8, "second": 2}
